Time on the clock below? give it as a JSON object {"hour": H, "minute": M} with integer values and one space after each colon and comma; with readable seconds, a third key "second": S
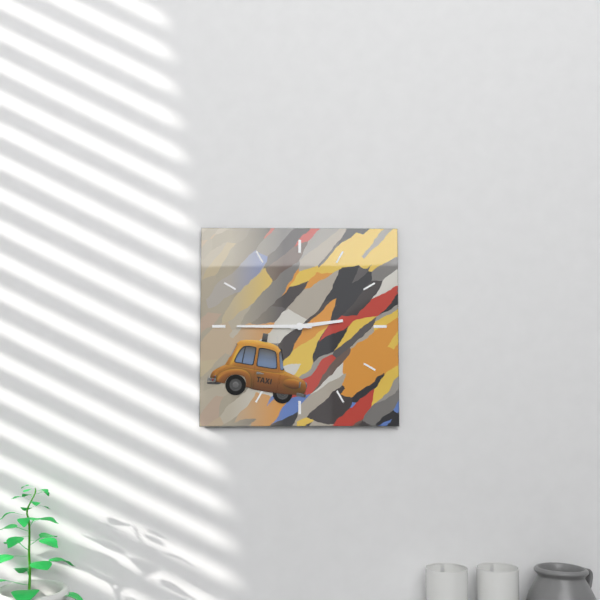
{"hour": 2, "minute": 45}
